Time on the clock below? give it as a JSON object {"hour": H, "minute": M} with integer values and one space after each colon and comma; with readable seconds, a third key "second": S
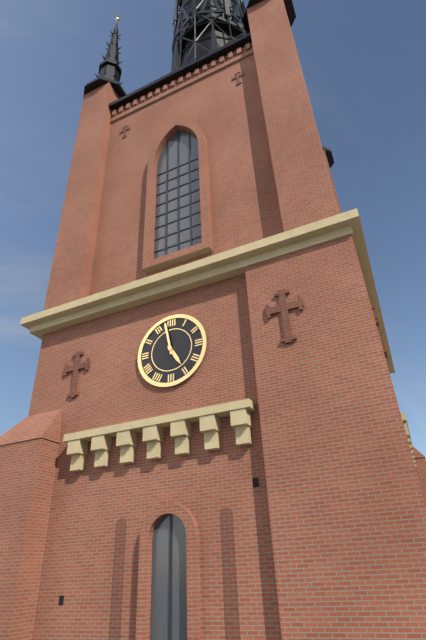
{"hour": 4, "minute": 58}
